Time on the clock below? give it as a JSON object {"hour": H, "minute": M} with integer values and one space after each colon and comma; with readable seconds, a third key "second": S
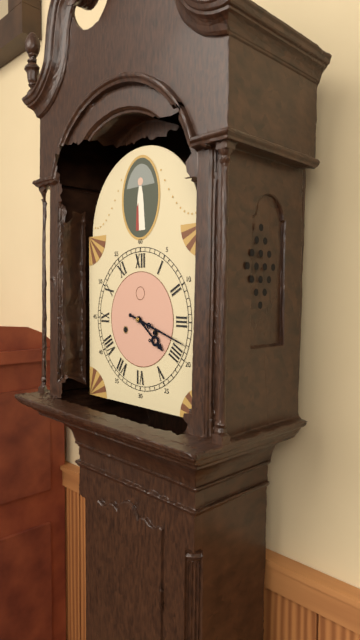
{"hour": 4, "minute": 18}
